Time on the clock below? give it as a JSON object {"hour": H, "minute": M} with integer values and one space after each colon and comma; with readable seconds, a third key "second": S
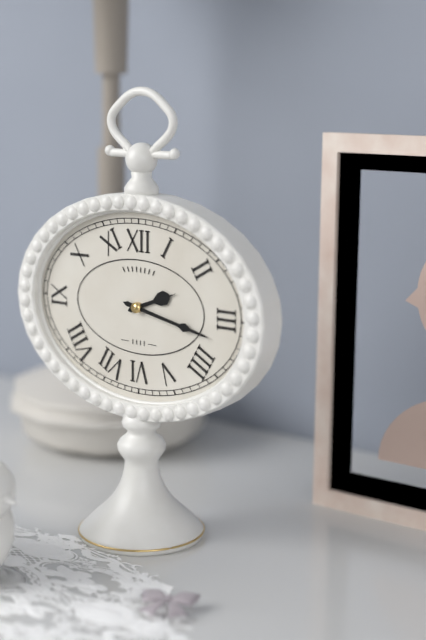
{"hour": 2, "minute": 17}
